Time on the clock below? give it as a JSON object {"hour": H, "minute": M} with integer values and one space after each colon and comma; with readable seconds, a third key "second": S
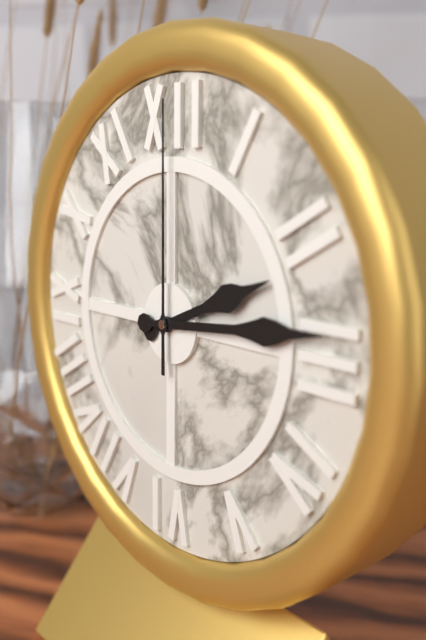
{"hour": 2, "minute": 14, "second": 0}
